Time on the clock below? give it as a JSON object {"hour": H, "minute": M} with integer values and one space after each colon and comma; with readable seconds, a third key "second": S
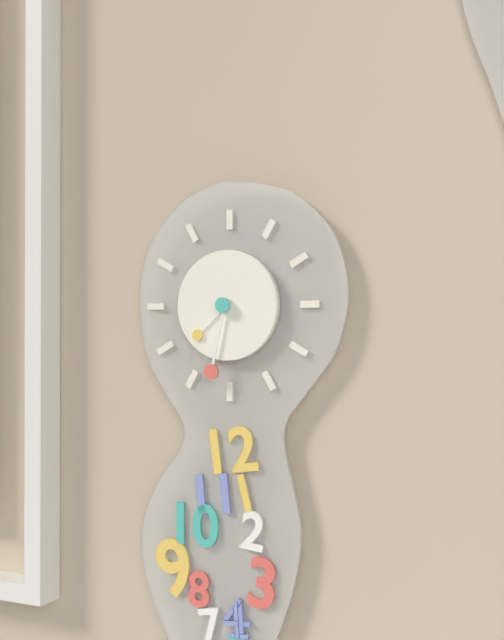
{"hour": 7, "minute": 32}
